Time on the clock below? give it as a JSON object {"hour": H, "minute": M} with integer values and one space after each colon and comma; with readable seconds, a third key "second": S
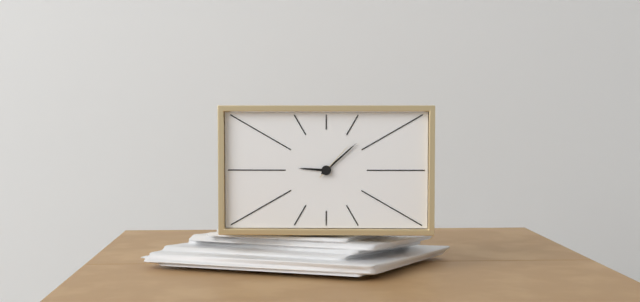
{"hour": 9, "minute": 8}
